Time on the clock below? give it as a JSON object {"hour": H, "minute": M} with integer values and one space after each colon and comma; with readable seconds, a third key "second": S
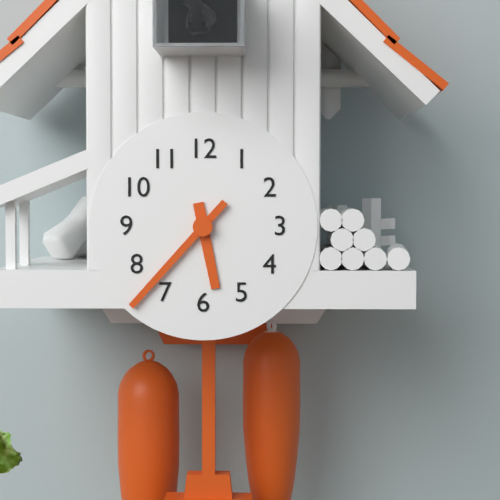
{"hour": 5, "minute": 37}
